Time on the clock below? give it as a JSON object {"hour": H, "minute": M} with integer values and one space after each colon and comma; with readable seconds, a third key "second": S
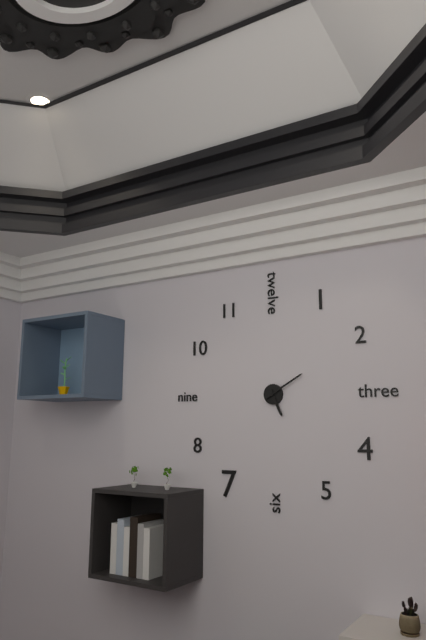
{"hour": 5, "minute": 10}
